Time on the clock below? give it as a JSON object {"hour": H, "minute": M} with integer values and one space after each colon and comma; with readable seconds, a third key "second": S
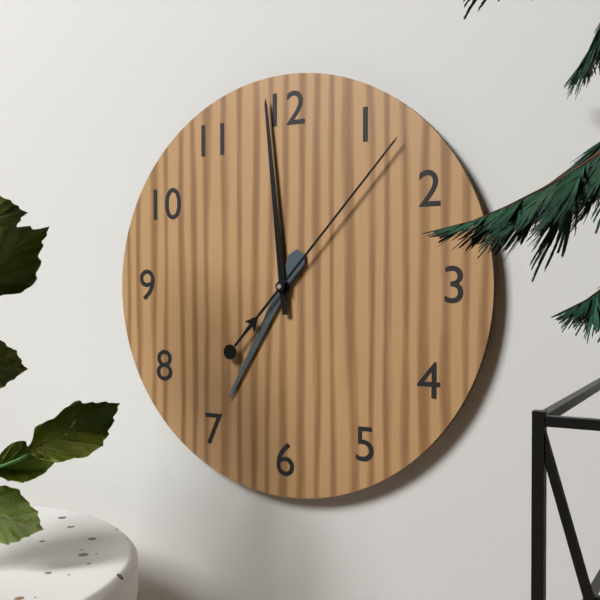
{"hour": 6, "minute": 59, "second": 7}
